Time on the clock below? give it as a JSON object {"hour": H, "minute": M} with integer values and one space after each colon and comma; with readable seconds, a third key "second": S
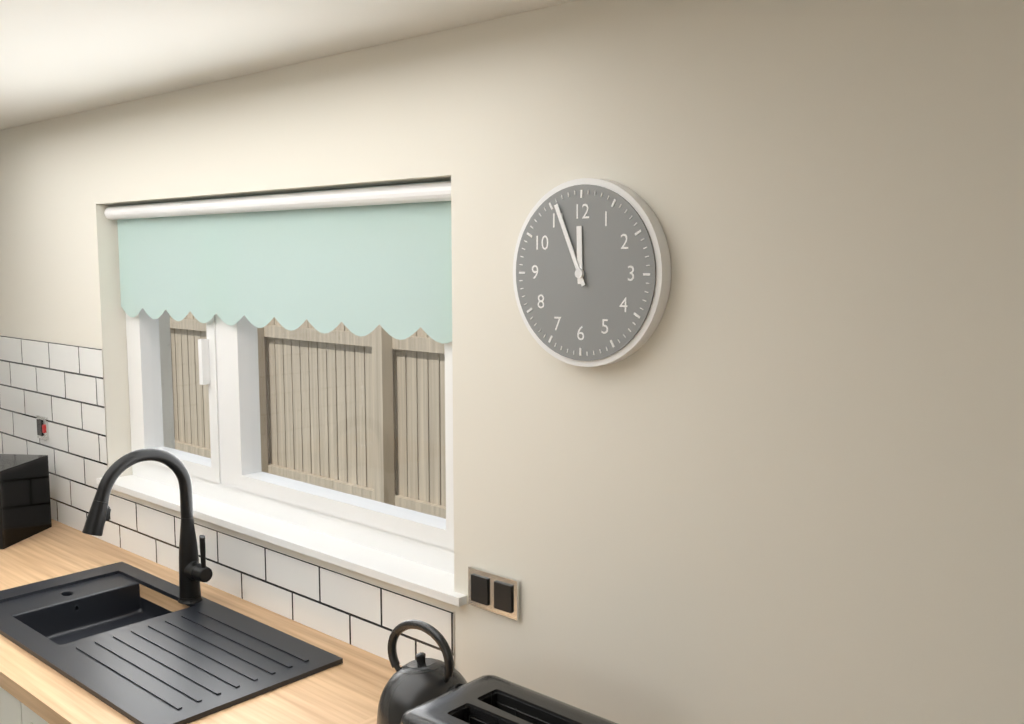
{"hour": 11, "minute": 56}
